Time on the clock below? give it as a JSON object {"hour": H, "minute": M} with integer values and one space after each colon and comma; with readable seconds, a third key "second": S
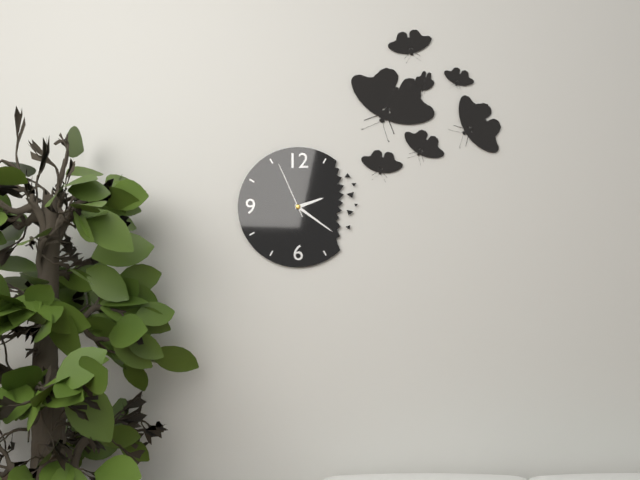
{"hour": 2, "minute": 21, "second": 56}
